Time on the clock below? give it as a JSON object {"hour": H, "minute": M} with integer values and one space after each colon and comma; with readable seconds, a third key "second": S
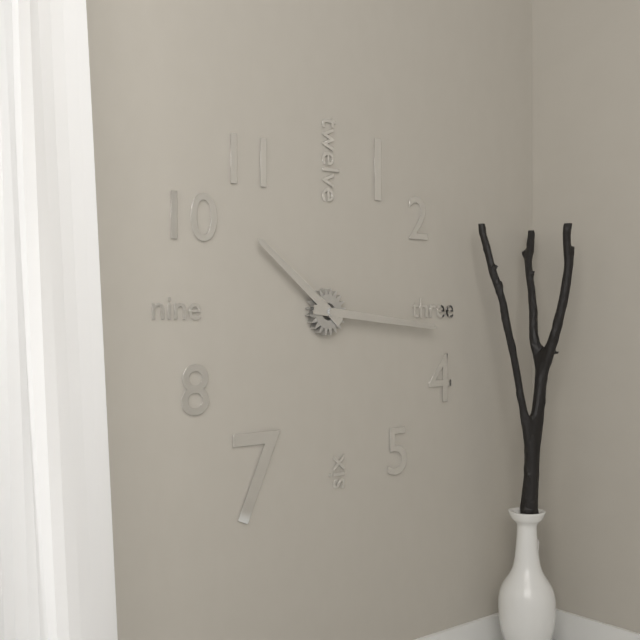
{"hour": 10, "minute": 16}
